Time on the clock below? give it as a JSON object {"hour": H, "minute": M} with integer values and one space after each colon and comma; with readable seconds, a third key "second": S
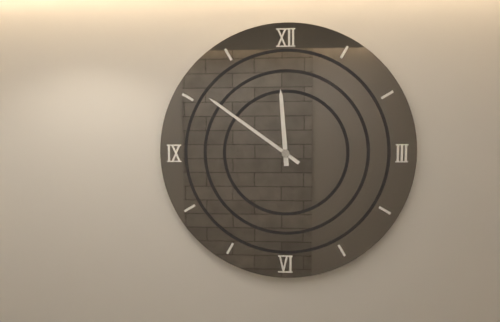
{"hour": 11, "minute": 51}
